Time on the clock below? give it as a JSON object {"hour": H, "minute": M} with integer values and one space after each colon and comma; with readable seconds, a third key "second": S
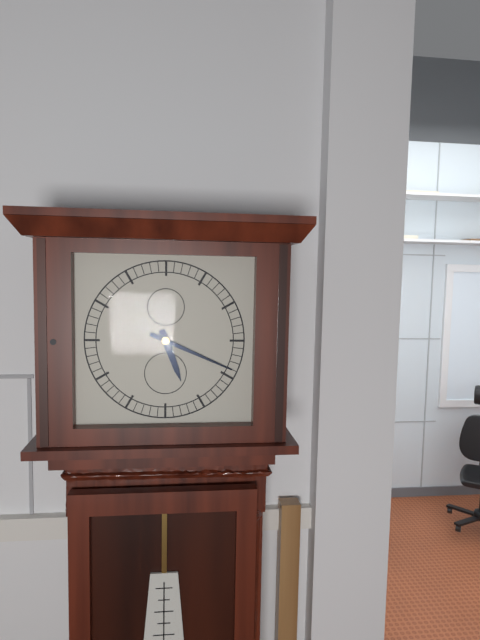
{"hour": 5, "minute": 19}
